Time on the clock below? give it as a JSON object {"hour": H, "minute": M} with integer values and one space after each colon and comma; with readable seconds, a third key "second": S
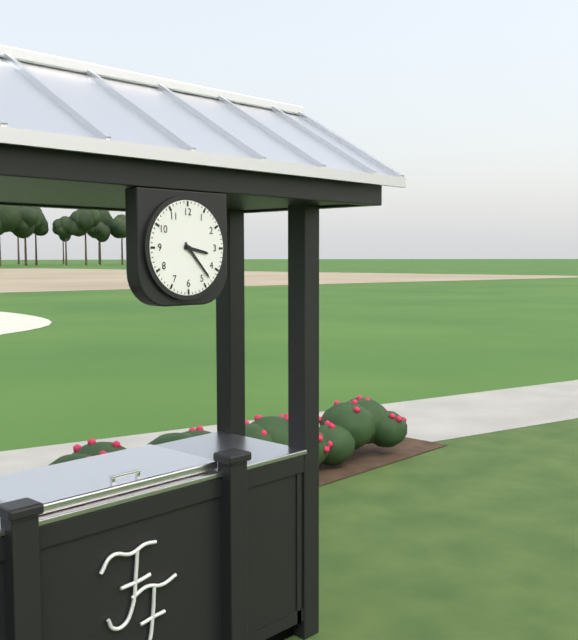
{"hour": 3, "minute": 23}
